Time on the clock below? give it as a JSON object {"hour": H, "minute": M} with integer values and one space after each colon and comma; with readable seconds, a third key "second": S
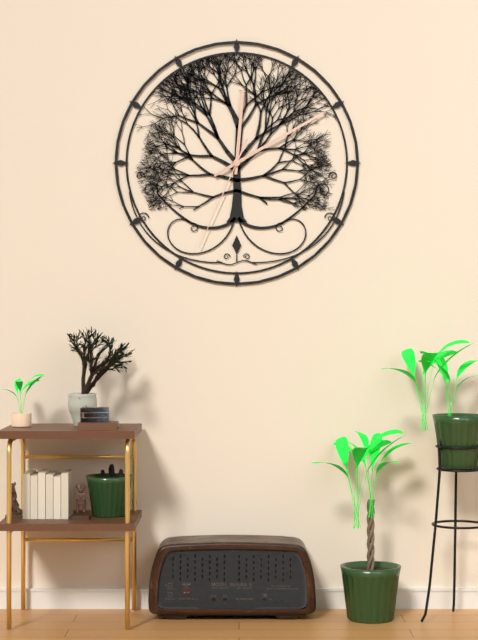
{"hour": 12, "minute": 10, "second": 34}
